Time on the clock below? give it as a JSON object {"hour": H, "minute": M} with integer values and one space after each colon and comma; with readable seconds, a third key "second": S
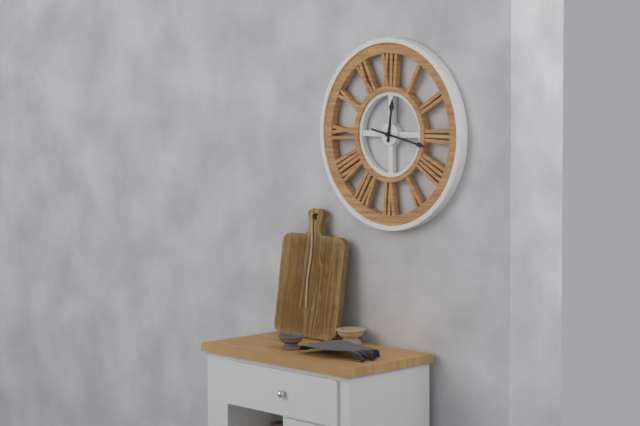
{"hour": 12, "minute": 17}
